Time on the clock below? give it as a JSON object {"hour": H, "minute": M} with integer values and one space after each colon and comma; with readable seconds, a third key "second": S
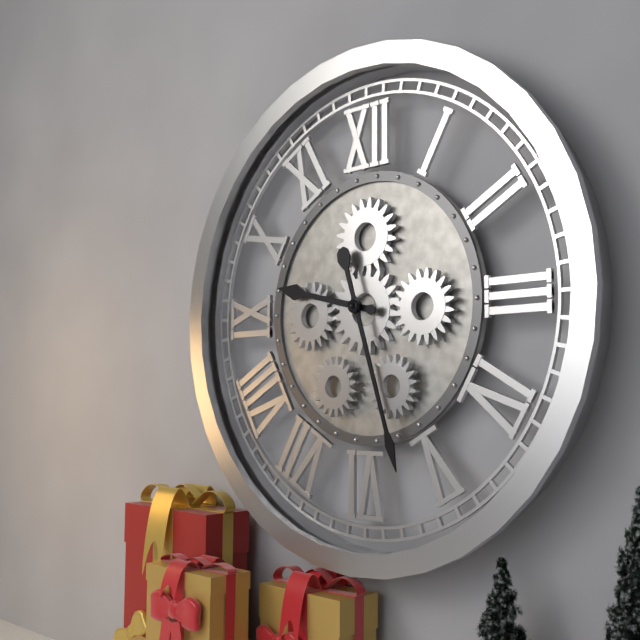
{"hour": 9, "minute": 27}
